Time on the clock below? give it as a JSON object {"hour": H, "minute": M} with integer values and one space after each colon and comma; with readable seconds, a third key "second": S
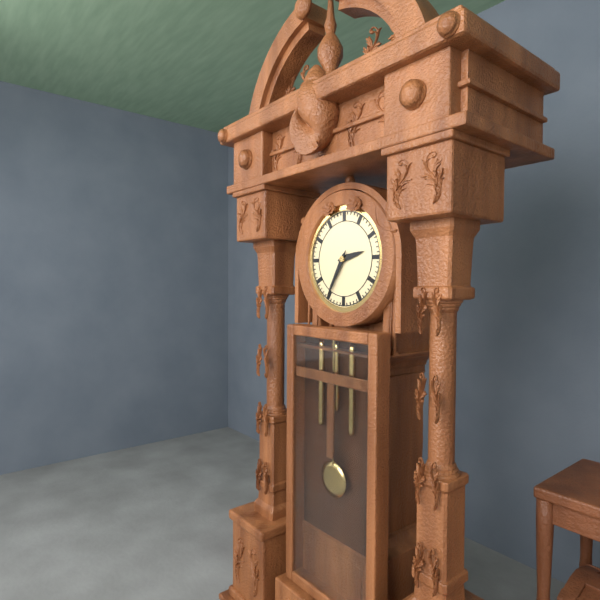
{"hour": 2, "minute": 35}
